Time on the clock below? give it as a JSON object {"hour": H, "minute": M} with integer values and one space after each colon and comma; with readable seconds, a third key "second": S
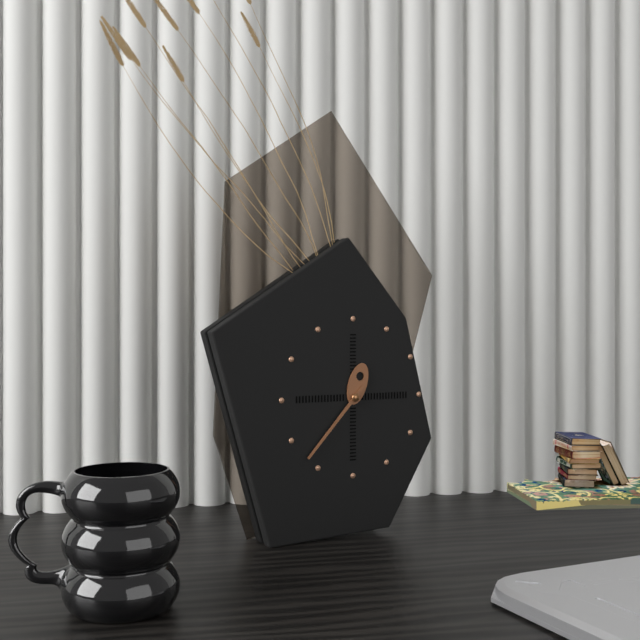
{"hour": 12, "minute": 37}
